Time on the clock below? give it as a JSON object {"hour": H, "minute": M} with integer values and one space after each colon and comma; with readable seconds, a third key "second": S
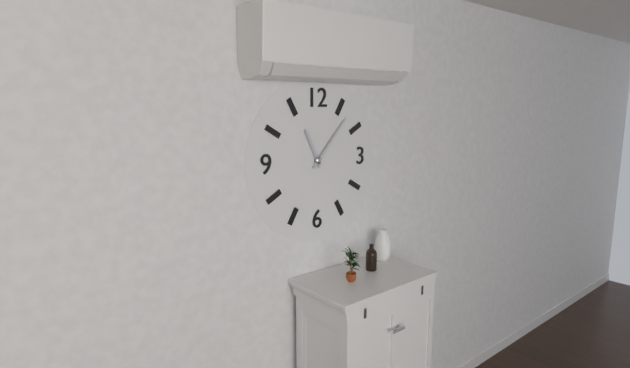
{"hour": 11, "minute": 7}
